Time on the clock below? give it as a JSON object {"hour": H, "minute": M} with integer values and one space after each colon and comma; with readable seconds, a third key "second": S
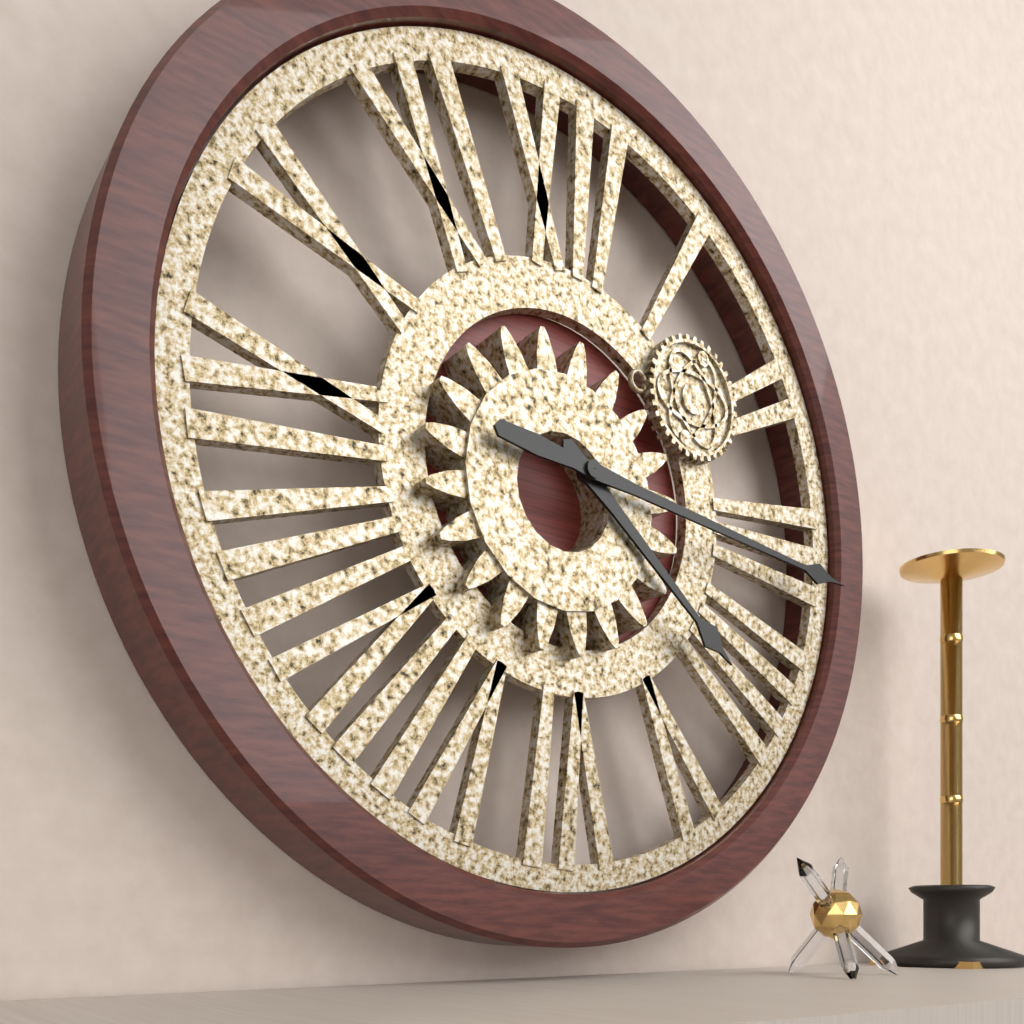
{"hour": 4, "minute": 16}
